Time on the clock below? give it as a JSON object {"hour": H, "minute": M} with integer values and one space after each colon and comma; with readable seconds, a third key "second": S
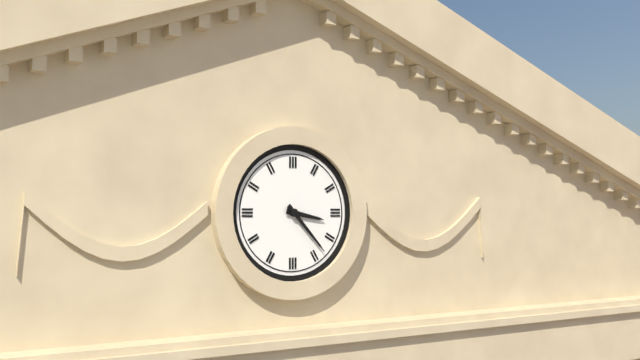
{"hour": 3, "minute": 23}
